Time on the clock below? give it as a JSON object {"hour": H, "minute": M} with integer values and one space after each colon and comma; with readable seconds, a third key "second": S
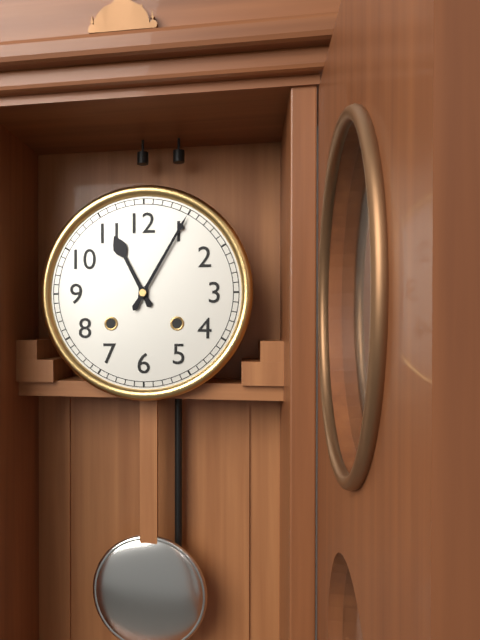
{"hour": 11, "minute": 5}
